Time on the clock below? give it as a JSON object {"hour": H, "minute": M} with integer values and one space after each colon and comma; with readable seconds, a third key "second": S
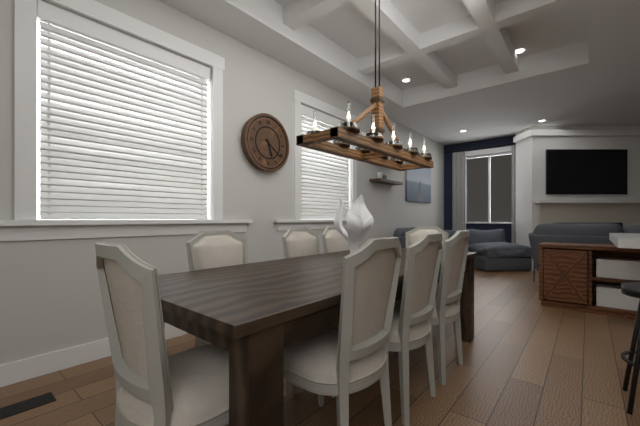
{"hour": 5, "minute": 21}
